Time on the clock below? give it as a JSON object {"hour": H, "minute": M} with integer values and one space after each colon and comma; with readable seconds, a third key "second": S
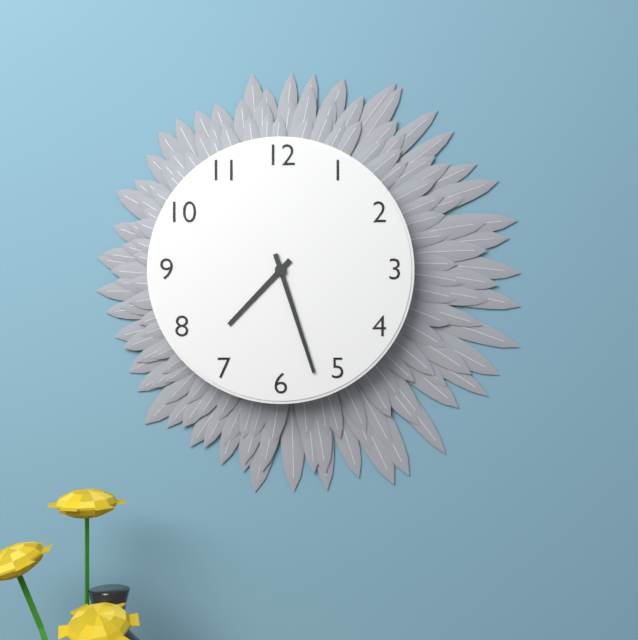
{"hour": 7, "minute": 27}
